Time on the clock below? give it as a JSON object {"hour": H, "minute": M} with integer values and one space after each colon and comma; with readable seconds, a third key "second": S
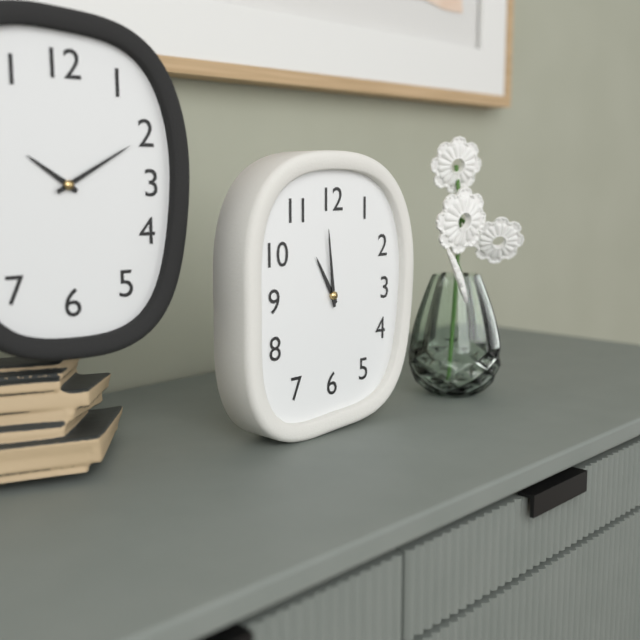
{"hour": 10, "minute": 59}
